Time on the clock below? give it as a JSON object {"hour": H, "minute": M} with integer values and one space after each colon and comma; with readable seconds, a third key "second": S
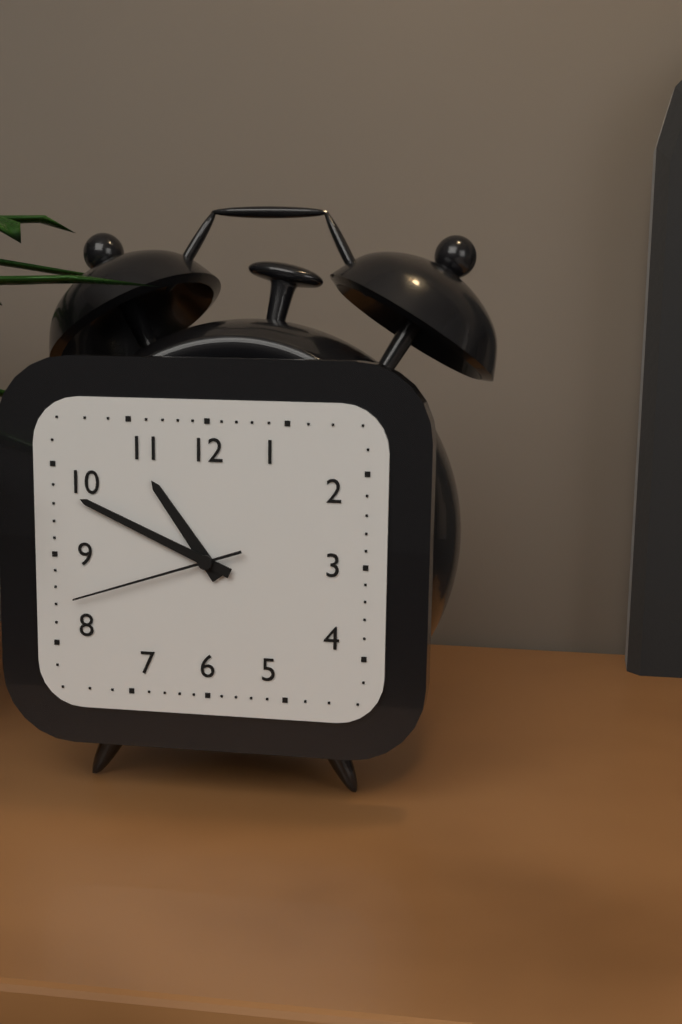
{"hour": 10, "minute": 49, "second": 42}
